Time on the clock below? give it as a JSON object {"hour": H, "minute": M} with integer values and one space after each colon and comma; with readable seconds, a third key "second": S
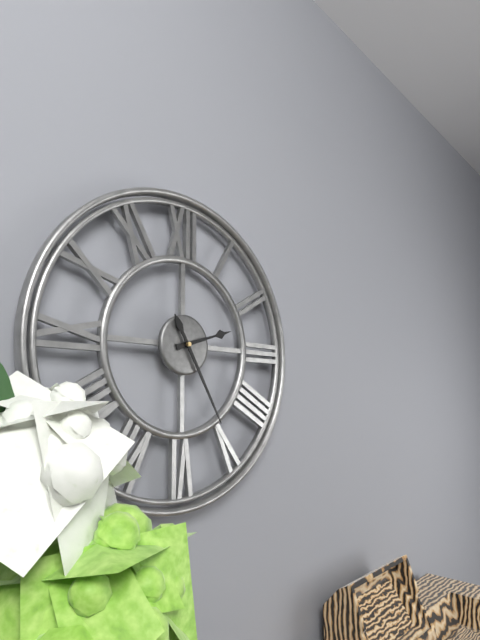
{"hour": 2, "minute": 25}
